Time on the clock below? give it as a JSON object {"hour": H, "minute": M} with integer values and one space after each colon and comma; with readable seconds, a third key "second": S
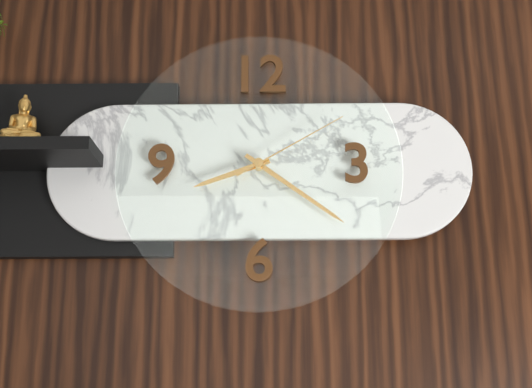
{"hour": 8, "minute": 21, "second": 10}
